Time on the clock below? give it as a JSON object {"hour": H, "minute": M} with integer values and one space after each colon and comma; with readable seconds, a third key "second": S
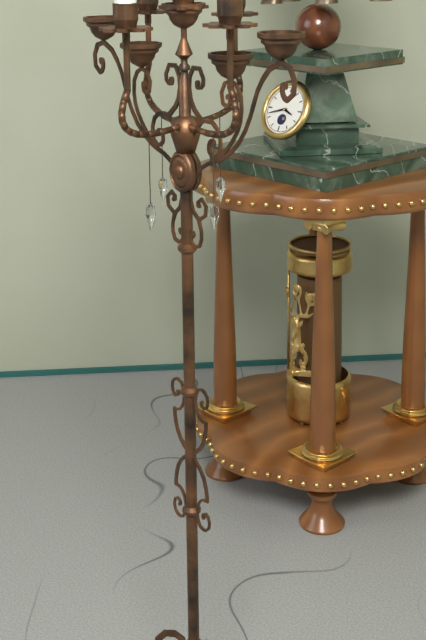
{"hour": 3, "minute": 42}
